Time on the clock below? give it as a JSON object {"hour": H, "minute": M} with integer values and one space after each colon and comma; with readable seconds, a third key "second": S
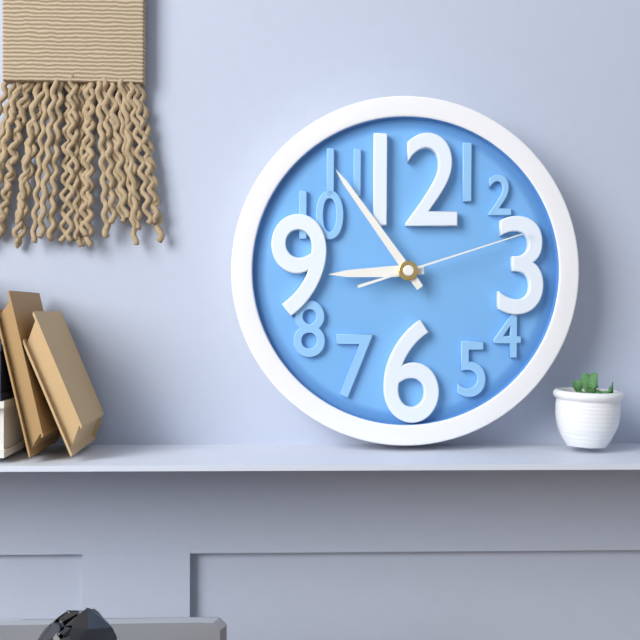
{"hour": 8, "minute": 54, "second": 12}
